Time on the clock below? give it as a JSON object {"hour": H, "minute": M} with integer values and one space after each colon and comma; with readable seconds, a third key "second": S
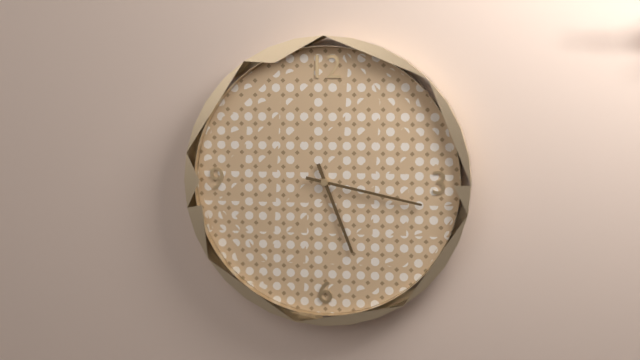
{"hour": 5, "minute": 17}
